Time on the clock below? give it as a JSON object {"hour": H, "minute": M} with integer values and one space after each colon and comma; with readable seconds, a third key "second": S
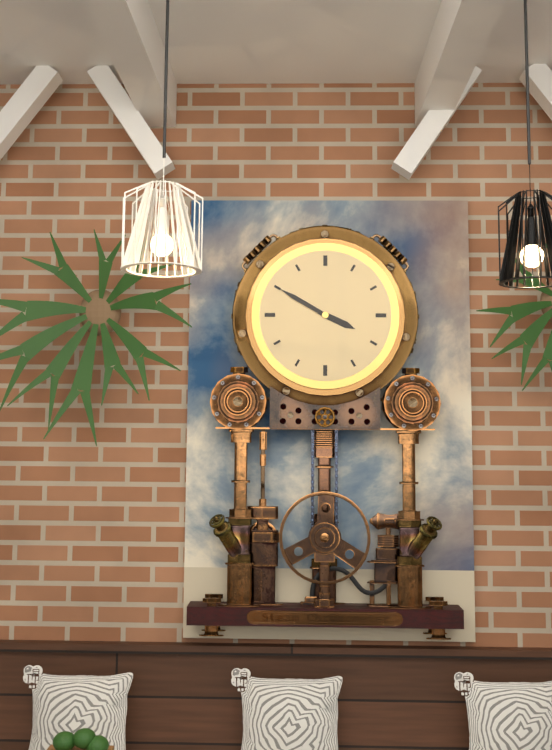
{"hour": 3, "minute": 50}
